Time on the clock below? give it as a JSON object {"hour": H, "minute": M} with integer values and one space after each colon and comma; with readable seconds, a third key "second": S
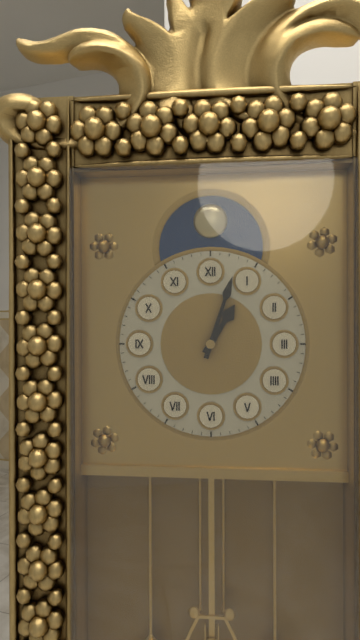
{"hour": 1, "minute": 3}
